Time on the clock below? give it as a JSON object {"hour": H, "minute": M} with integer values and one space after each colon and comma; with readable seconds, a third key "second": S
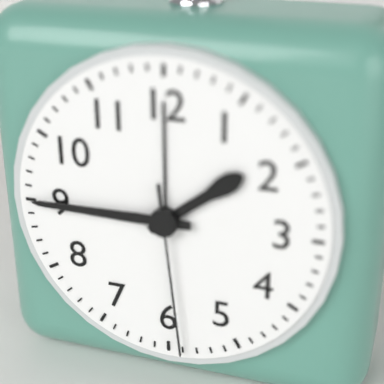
{"hour": 1, "minute": 45, "second": 29}
